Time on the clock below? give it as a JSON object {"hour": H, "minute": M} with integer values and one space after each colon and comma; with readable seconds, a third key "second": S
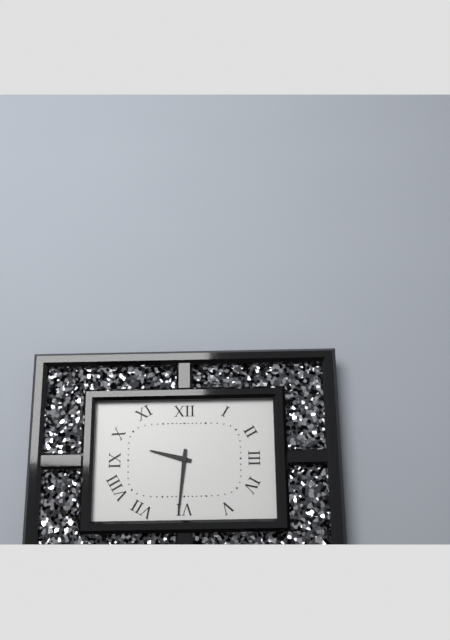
{"hour": 9, "minute": 31}
